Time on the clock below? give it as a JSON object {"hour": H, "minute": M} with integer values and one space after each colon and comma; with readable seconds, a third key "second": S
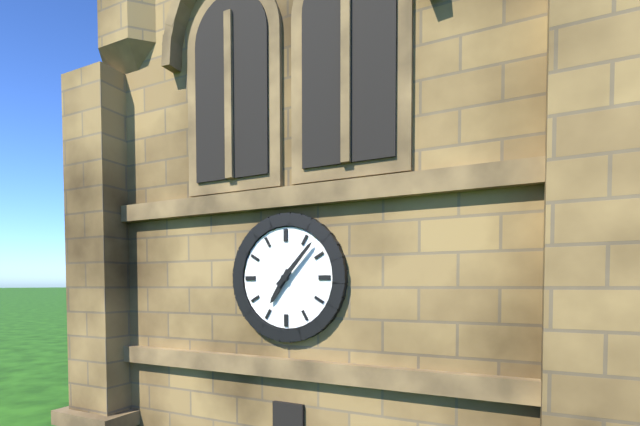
{"hour": 7, "minute": 7}
